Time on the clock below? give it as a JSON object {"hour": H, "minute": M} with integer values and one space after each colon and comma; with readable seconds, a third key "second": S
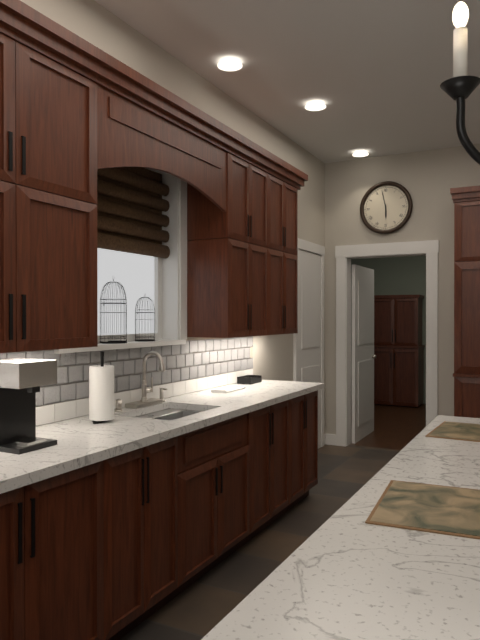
{"hour": 5, "minute": 58}
